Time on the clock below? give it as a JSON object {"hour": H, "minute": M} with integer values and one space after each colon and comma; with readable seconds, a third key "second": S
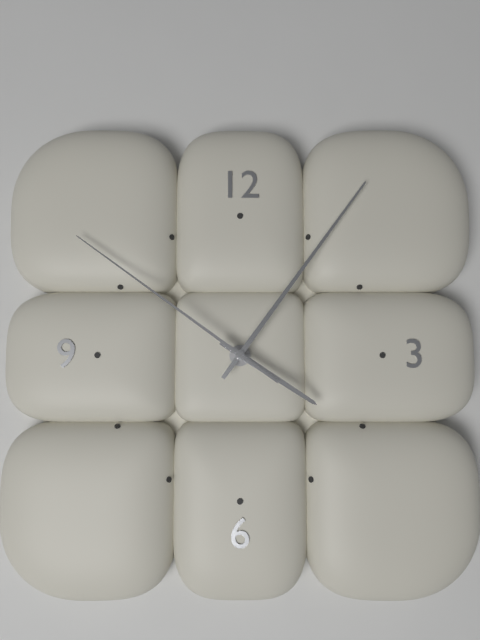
{"hour": 4, "minute": 6, "second": 51}
